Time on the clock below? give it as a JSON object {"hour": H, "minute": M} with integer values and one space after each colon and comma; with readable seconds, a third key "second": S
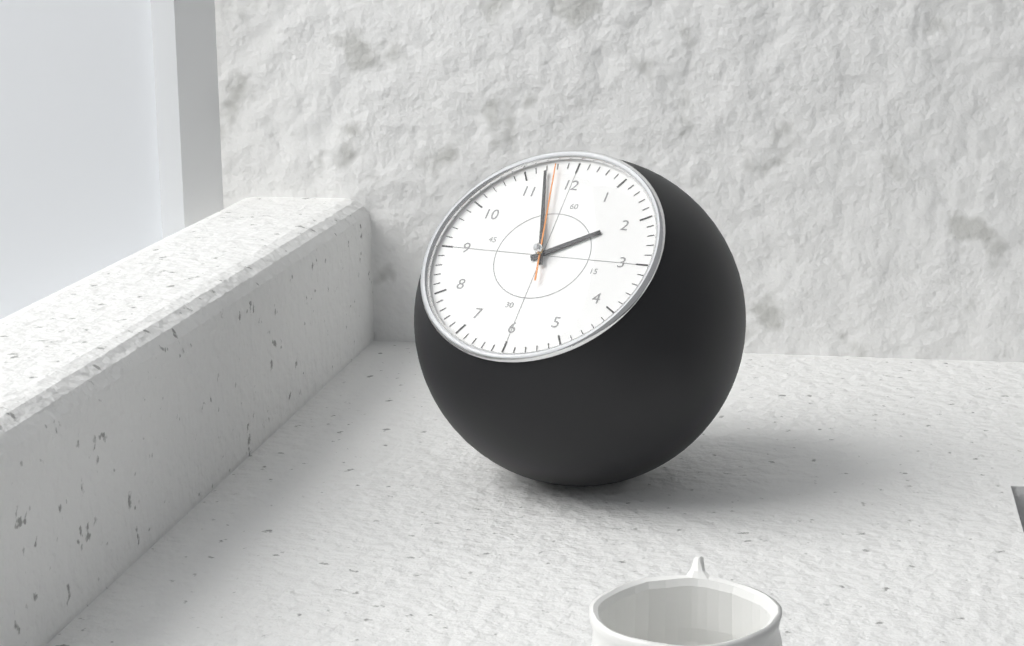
{"hour": 1, "minute": 57, "second": 58}
